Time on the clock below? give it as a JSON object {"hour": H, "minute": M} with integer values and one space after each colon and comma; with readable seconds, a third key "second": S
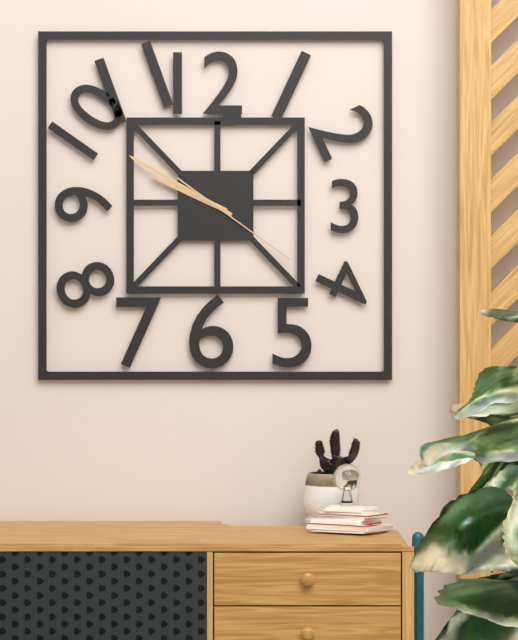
{"hour": 9, "minute": 50, "second": 21}
